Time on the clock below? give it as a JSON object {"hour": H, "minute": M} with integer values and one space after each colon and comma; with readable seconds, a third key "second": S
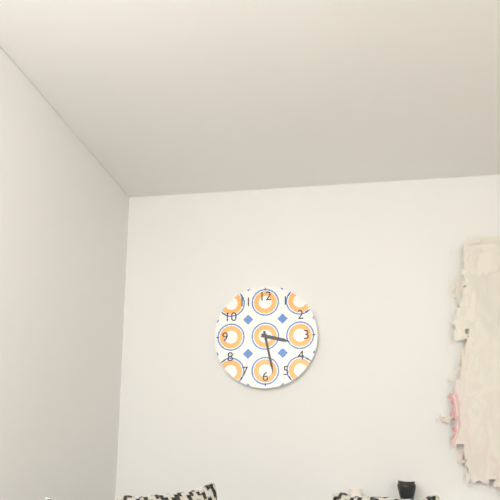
{"hour": 3, "minute": 28}
